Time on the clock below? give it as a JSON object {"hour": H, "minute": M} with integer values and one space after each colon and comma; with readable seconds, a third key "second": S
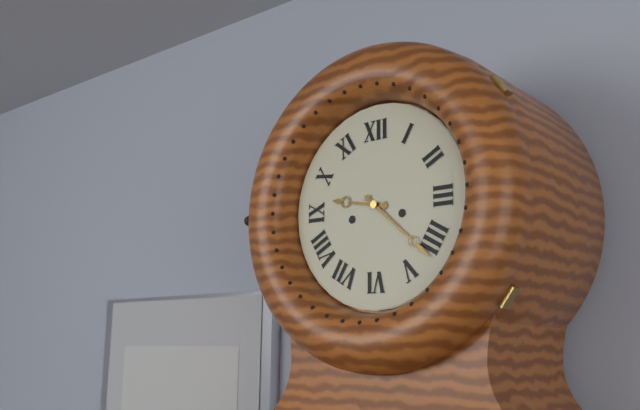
{"hour": 9, "minute": 22}
